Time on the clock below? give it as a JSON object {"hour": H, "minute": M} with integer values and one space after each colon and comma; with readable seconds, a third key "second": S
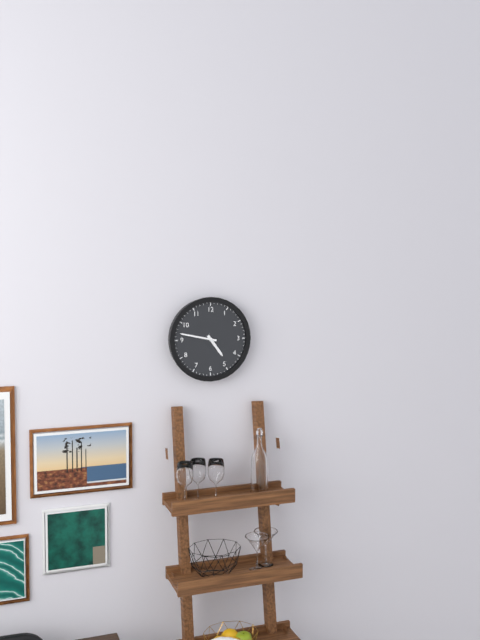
{"hour": 4, "minute": 47}
